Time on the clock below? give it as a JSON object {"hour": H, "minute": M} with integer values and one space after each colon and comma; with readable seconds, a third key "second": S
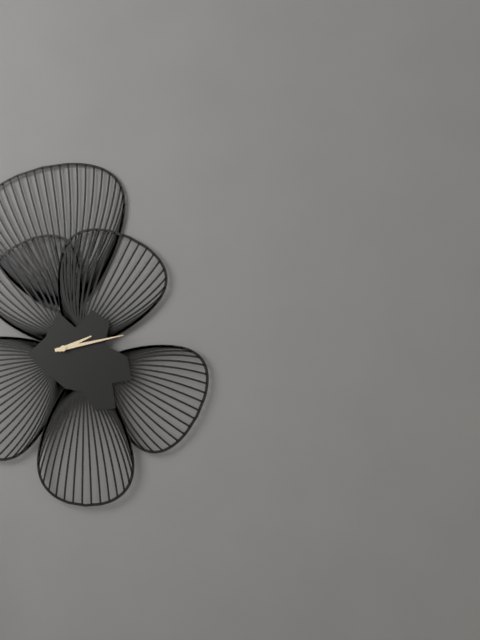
{"hour": 2, "minute": 13}
